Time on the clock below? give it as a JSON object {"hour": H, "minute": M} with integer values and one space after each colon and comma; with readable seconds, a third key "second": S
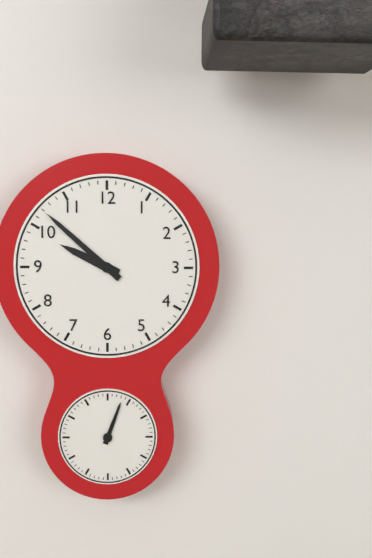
{"hour": 9, "minute": 52}
